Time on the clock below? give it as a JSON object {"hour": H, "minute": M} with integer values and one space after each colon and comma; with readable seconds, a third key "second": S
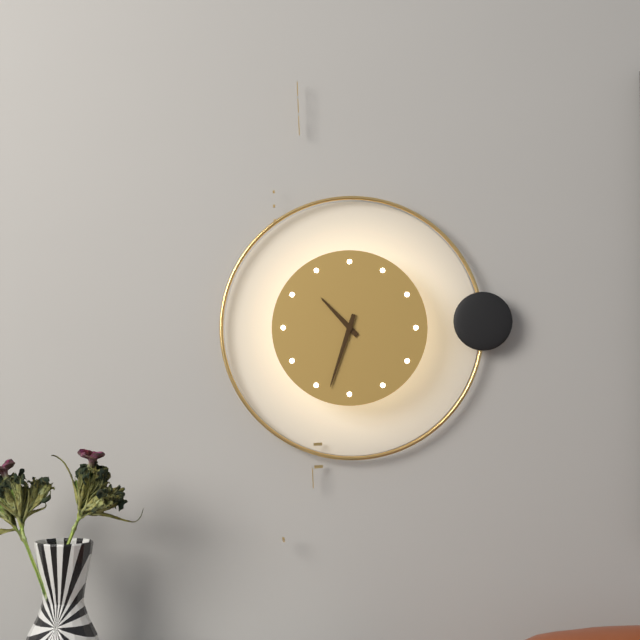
{"hour": 10, "minute": 33}
